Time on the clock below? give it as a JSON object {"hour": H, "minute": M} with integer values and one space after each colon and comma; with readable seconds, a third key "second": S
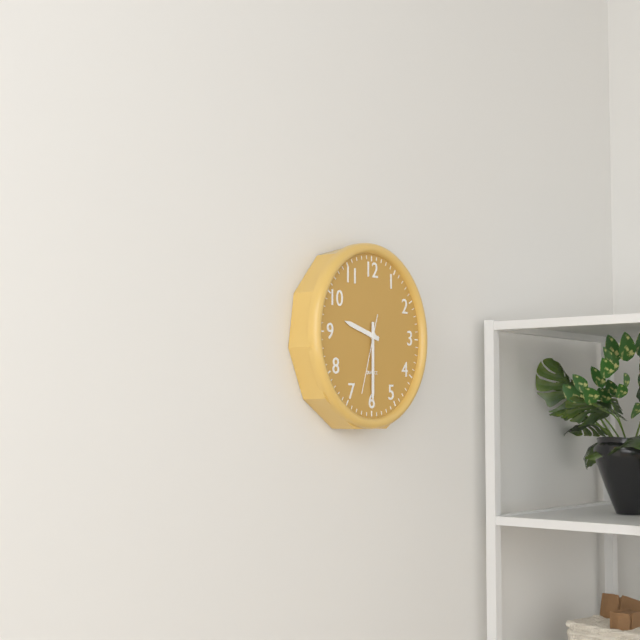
{"hour": 9, "minute": 30, "second": 33}
